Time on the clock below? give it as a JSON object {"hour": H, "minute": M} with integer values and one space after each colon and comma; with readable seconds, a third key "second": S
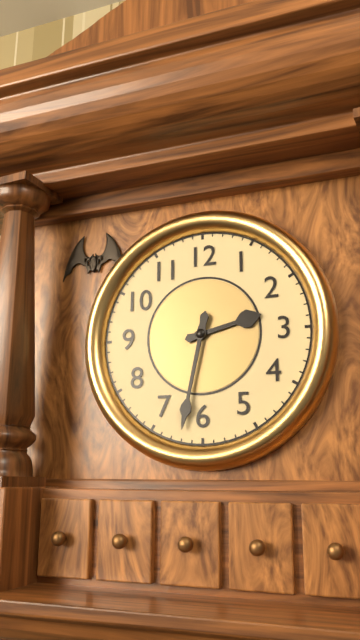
{"hour": 2, "minute": 32}
